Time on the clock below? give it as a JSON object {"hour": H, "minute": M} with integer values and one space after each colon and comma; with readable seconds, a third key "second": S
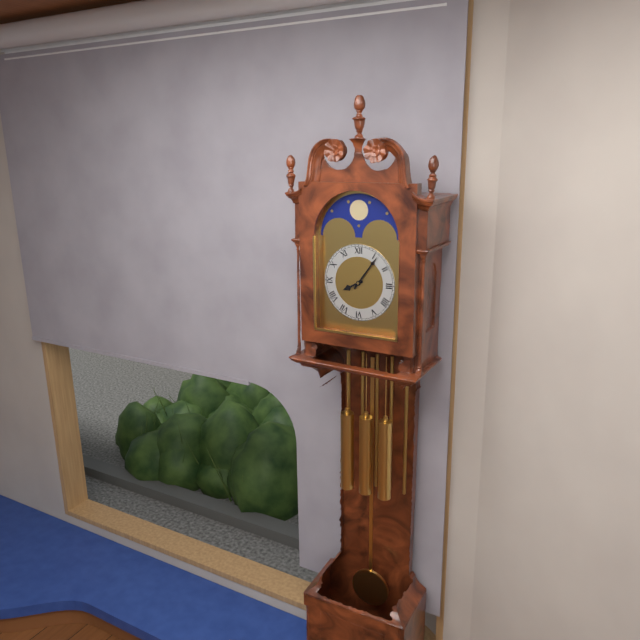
{"hour": 8, "minute": 6}
